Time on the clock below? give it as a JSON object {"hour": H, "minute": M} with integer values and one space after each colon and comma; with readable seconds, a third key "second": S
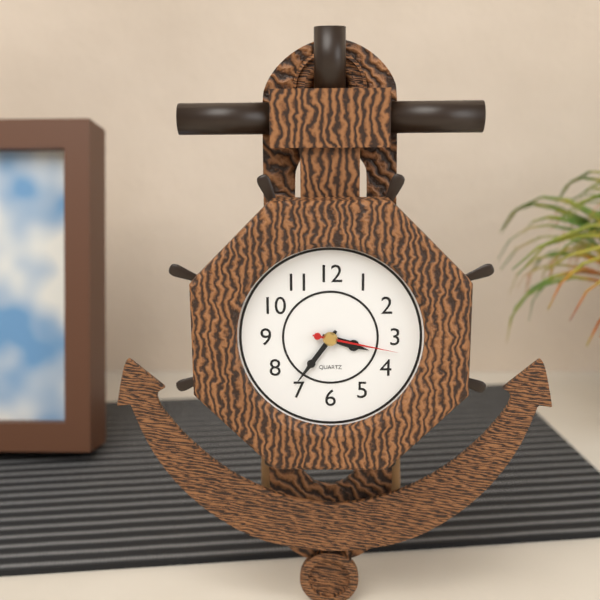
{"hour": 3, "minute": 36, "second": 17}
